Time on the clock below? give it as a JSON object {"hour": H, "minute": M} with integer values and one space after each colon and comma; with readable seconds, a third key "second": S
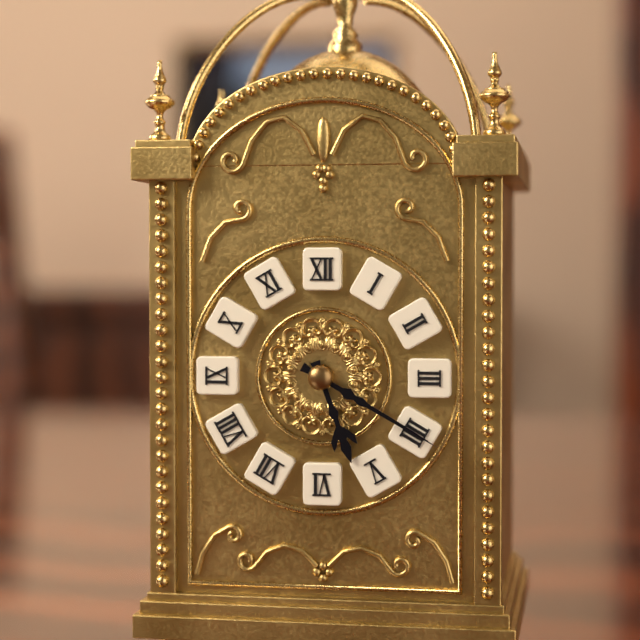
{"hour": 5, "minute": 20}
